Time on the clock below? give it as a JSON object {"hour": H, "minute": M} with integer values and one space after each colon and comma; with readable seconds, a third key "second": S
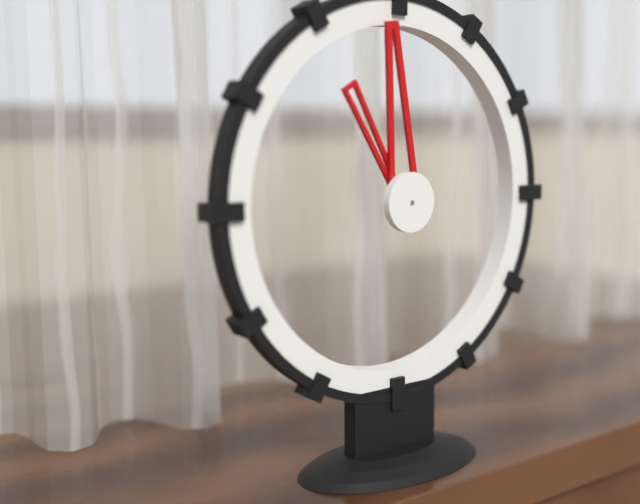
{"hour": 10, "minute": 59}
